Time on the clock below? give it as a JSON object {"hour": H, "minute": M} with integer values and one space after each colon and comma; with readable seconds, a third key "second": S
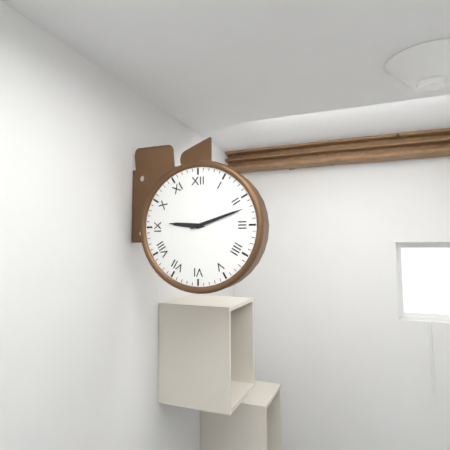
{"hour": 9, "minute": 12}
